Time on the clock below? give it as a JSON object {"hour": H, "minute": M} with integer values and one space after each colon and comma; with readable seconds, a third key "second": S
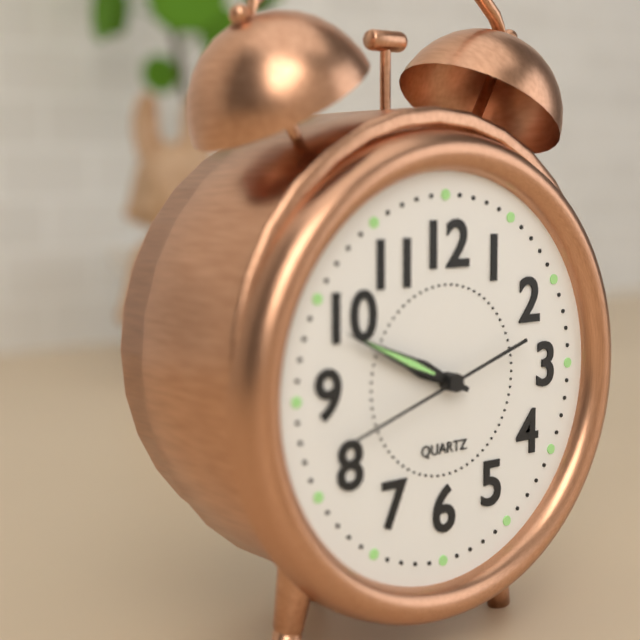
{"hour": 9, "minute": 49, "second": 42}
